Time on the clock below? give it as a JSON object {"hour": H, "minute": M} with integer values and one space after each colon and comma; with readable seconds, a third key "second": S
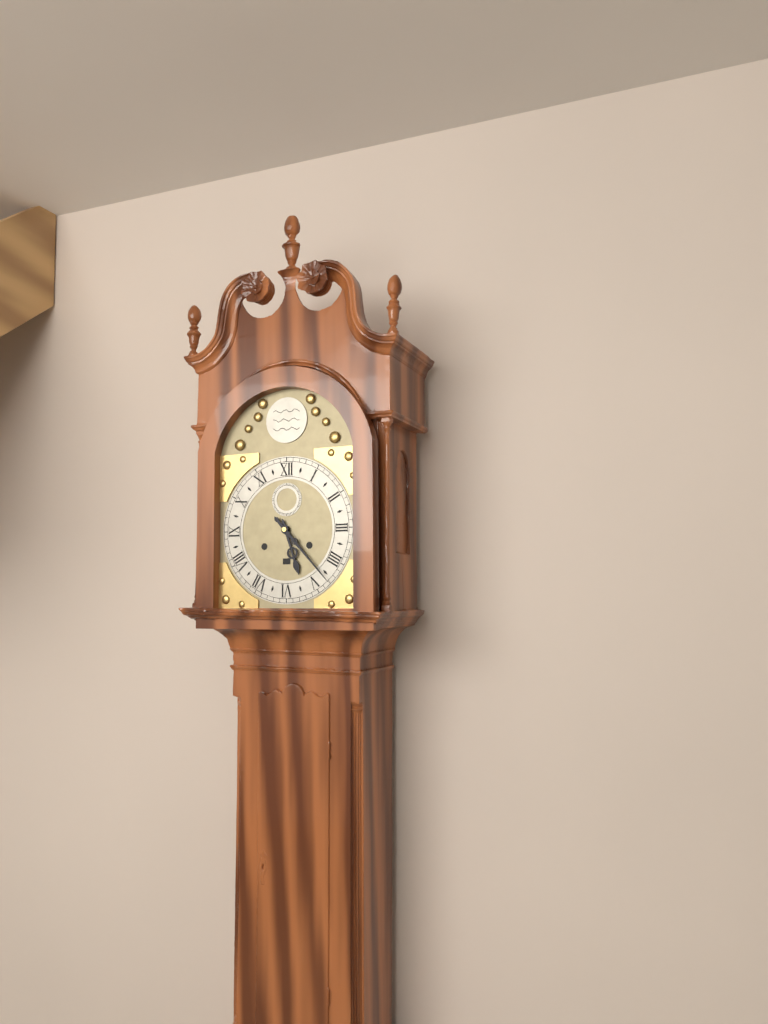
{"hour": 5, "minute": 23}
